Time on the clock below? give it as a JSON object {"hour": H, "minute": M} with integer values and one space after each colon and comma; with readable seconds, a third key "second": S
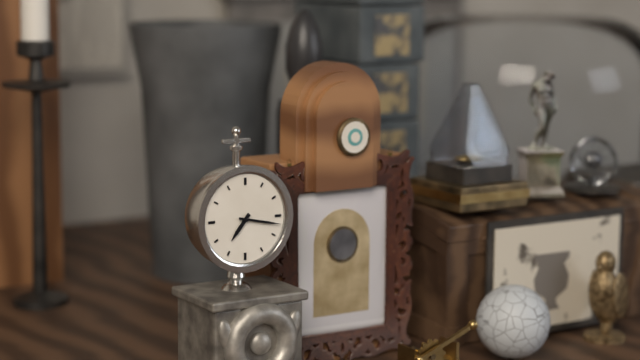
{"hour": 7, "minute": 17}
